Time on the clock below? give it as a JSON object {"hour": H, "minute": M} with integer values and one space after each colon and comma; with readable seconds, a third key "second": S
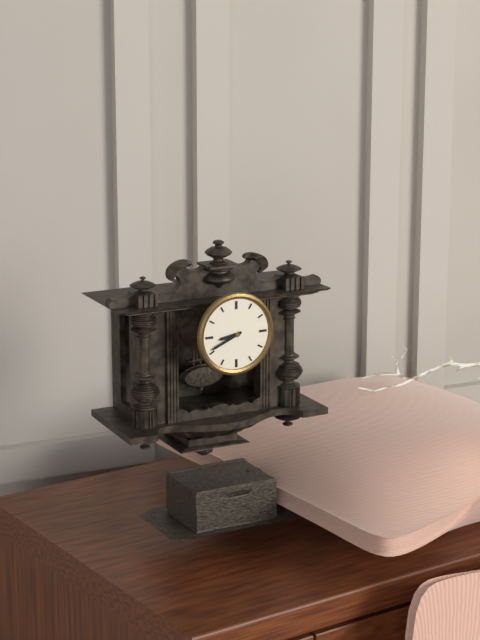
{"hour": 8, "minute": 41}
